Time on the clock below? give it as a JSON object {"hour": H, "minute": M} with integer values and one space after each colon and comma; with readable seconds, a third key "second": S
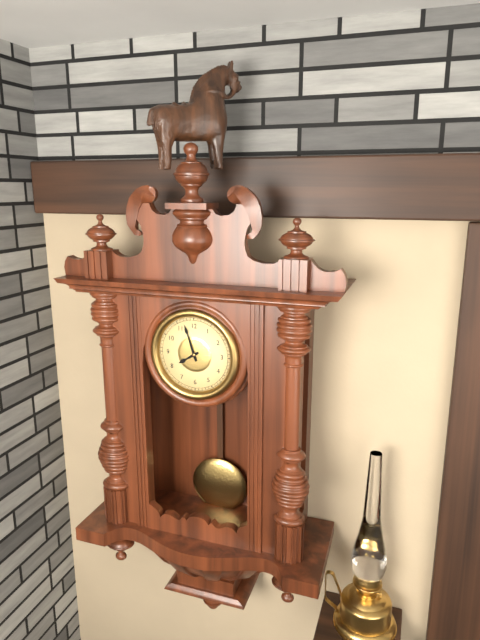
{"hour": 7, "minute": 57}
